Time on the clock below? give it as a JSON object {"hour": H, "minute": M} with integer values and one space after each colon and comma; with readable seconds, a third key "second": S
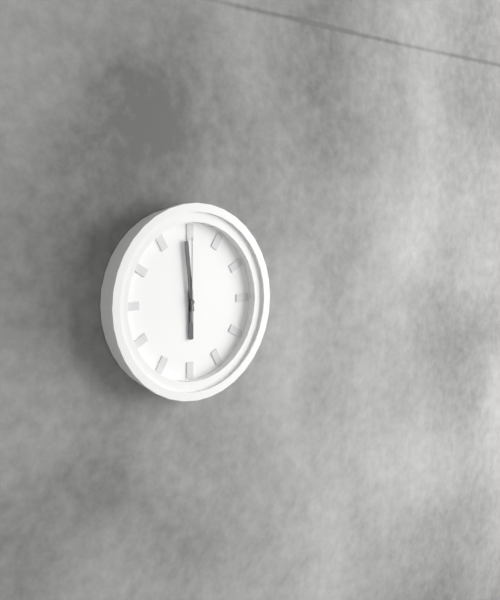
{"hour": 5, "minute": 59, "second": 0}
